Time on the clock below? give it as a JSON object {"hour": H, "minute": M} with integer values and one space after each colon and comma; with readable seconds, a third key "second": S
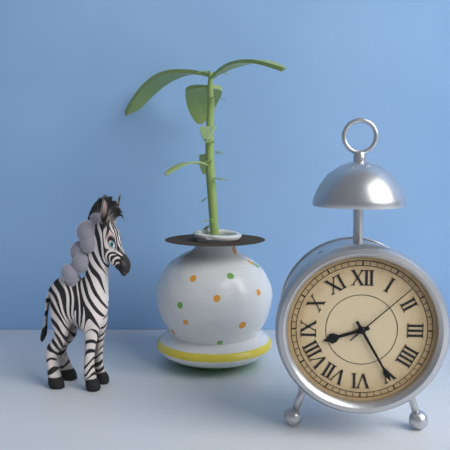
{"hour": 8, "minute": 25, "second": 8}
